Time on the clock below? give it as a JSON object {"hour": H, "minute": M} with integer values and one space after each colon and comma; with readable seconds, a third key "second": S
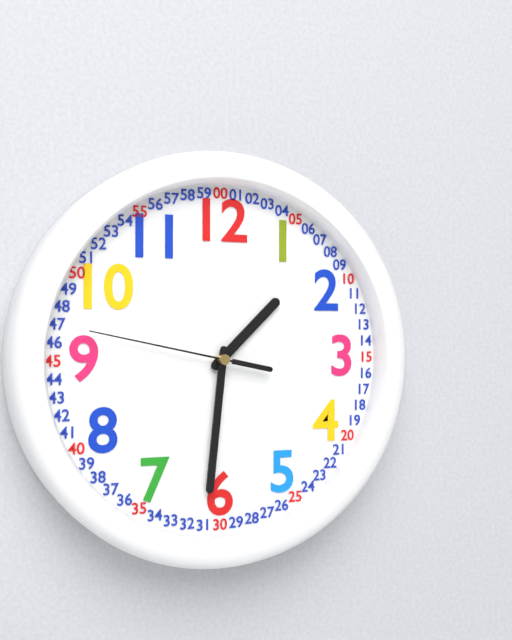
{"hour": 1, "minute": 31, "second": 47}
